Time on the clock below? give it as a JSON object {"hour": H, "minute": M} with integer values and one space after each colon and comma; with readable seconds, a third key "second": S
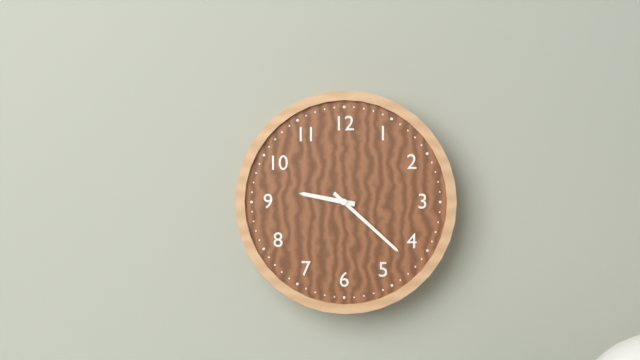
{"hour": 9, "minute": 22}
